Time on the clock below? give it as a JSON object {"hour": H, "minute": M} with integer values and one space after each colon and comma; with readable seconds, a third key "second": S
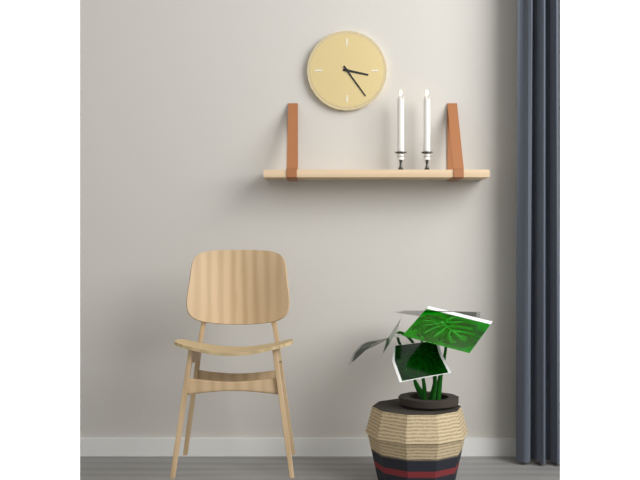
{"hour": 3, "minute": 24}
